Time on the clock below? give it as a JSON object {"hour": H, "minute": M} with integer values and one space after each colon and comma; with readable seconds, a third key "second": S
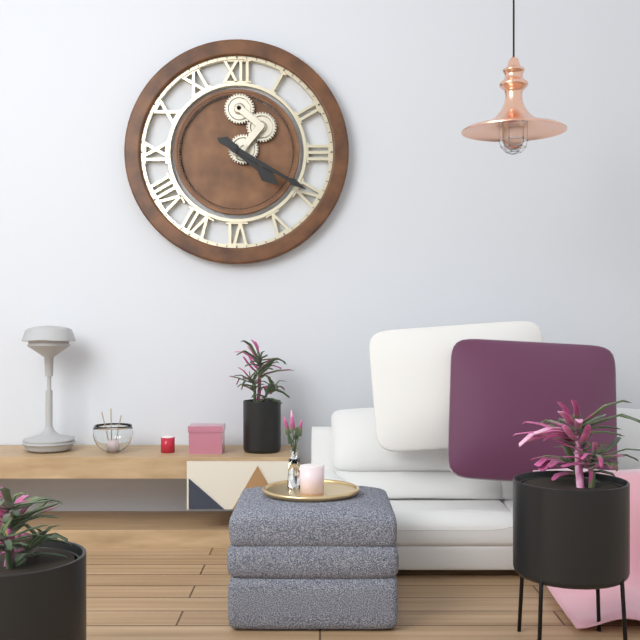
{"hour": 4, "minute": 20}
